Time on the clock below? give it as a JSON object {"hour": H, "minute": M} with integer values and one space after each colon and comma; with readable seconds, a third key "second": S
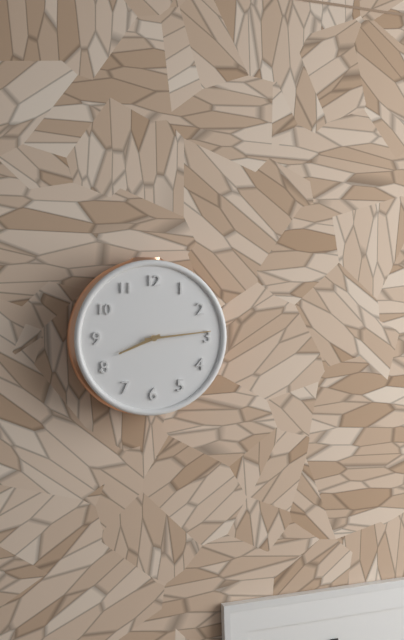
{"hour": 8, "minute": 14}
